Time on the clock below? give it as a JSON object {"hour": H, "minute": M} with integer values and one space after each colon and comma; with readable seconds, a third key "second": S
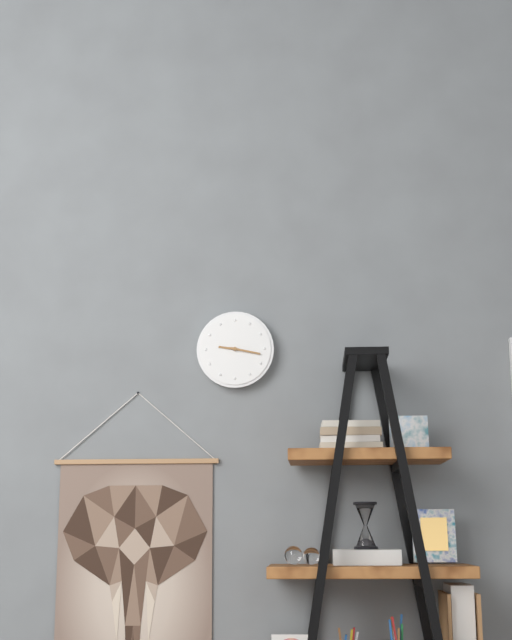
{"hour": 9, "minute": 17}
